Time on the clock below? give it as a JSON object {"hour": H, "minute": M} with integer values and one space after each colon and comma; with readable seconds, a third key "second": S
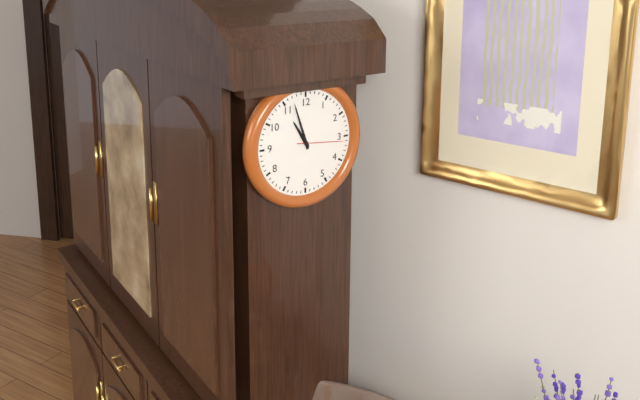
{"hour": 10, "minute": 57, "second": 16}
